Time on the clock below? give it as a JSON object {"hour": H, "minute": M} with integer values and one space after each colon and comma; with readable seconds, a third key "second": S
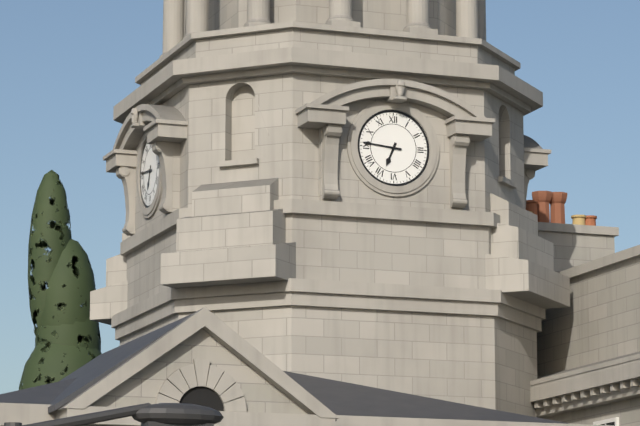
{"hour": 6, "minute": 46}
